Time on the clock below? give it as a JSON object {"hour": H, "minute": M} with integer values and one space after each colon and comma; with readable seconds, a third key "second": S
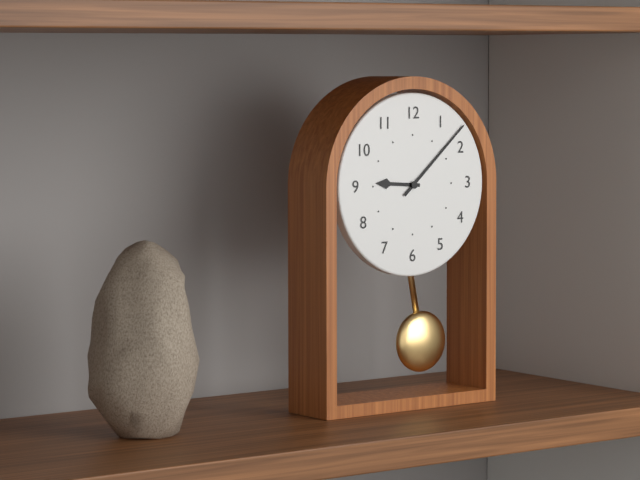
{"hour": 9, "minute": 8}
